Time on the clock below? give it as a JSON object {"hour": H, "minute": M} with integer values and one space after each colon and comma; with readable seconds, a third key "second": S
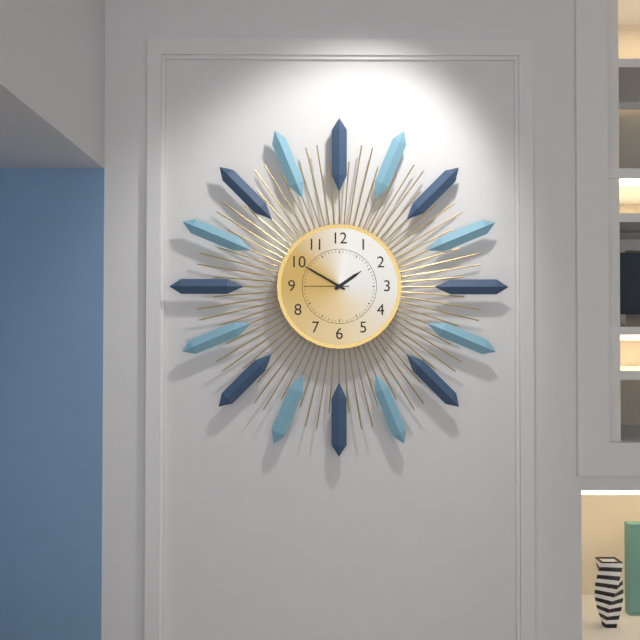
{"hour": 1, "minute": 50}
